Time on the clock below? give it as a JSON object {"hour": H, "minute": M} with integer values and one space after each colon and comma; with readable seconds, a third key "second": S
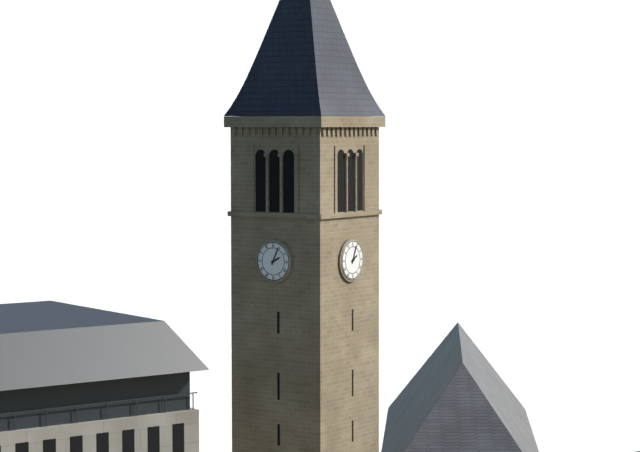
{"hour": 2, "minute": 4}
